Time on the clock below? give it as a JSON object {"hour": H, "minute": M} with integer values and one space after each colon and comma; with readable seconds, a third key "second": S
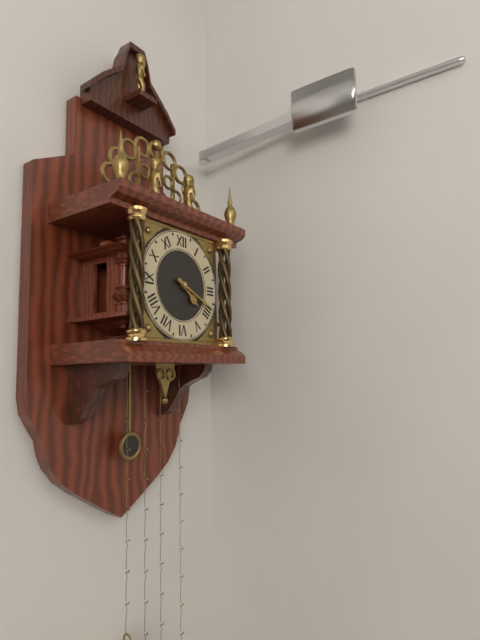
{"hour": 4, "minute": 19}
